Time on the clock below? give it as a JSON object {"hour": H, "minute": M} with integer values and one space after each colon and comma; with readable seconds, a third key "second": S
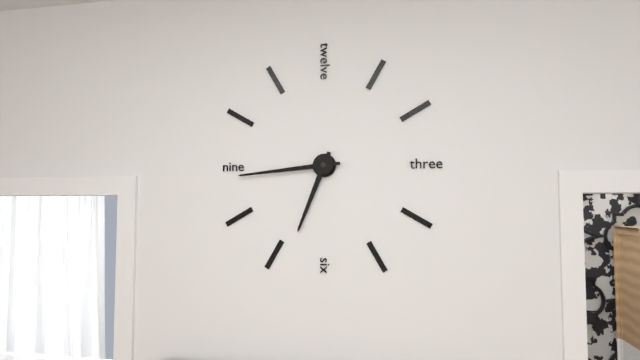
{"hour": 6, "minute": 44}
